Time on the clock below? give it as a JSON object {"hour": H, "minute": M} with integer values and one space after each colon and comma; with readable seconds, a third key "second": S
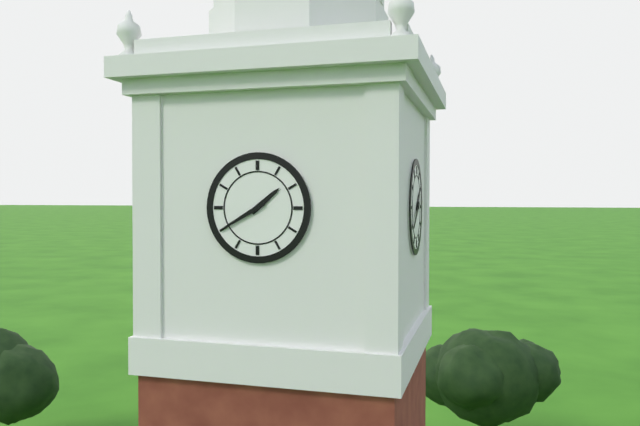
{"hour": 1, "minute": 40}
